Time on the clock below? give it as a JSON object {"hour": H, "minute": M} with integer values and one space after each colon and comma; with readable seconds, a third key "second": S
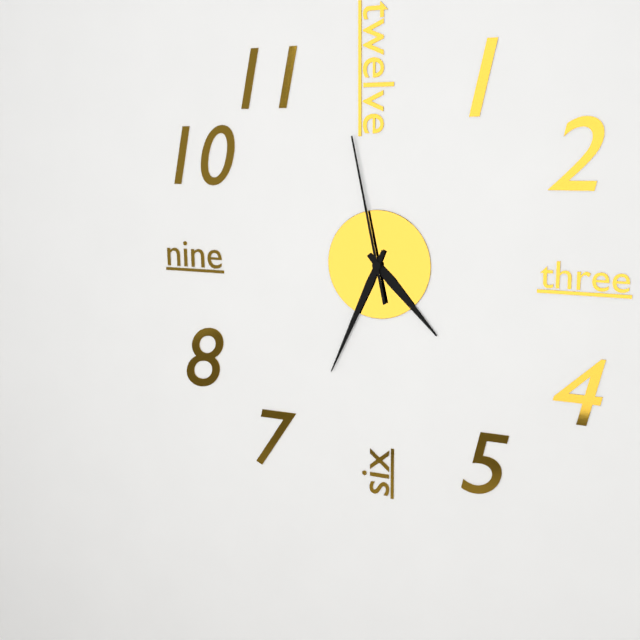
{"hour": 4, "minute": 34, "second": 58}
